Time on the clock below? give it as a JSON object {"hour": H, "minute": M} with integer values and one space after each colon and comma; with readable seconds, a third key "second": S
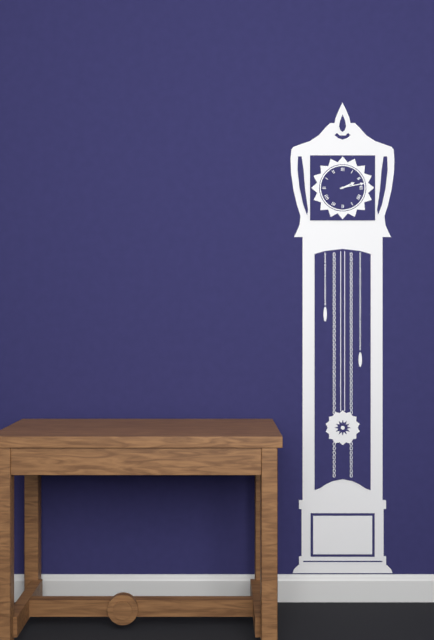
{"hour": 2, "minute": 13}
